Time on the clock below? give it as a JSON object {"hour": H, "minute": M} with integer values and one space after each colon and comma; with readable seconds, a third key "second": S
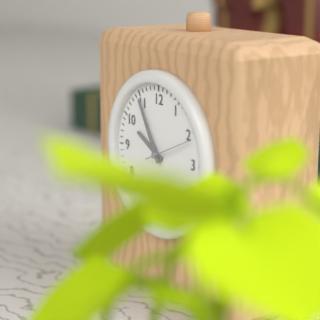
{"hour": 9, "minute": 55}
